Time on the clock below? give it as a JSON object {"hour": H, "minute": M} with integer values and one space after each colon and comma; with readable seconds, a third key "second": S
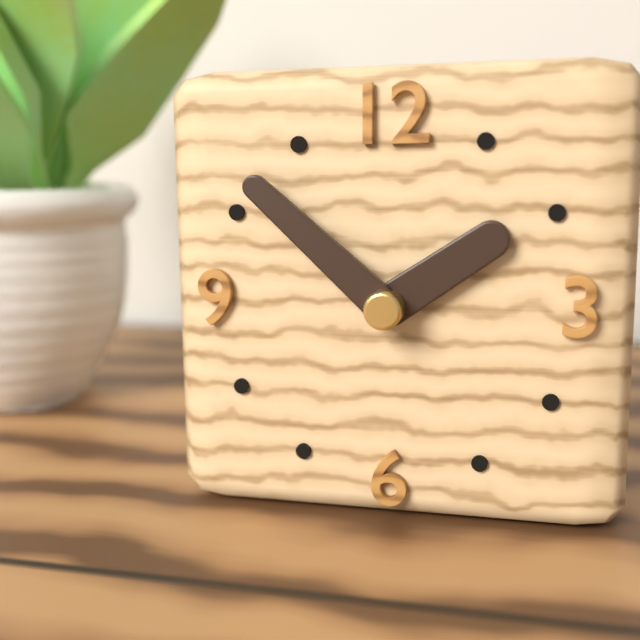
{"hour": 1, "minute": 52}
